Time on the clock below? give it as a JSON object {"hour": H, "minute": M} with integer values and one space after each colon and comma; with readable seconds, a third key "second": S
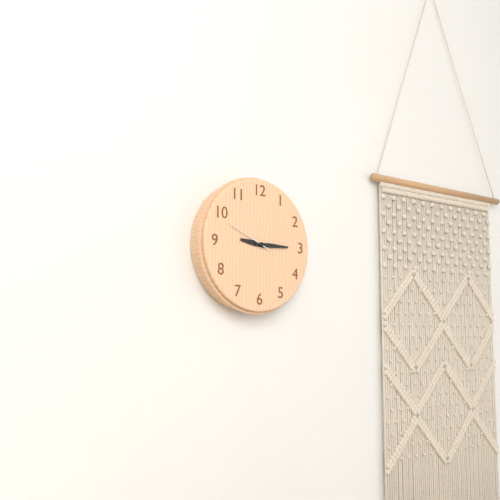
{"hour": 9, "minute": 15}
